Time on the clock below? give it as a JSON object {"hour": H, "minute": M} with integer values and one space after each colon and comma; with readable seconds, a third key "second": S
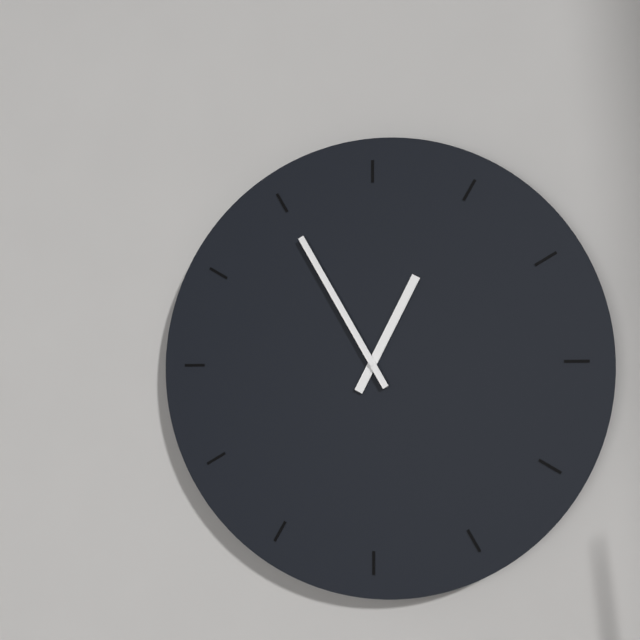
{"hour": 12, "minute": 55}
